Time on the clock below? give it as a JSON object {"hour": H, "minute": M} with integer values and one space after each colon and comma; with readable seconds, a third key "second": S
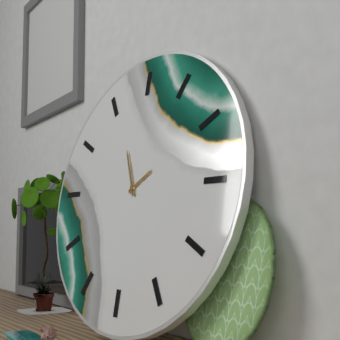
{"hour": 1, "minute": 56}
